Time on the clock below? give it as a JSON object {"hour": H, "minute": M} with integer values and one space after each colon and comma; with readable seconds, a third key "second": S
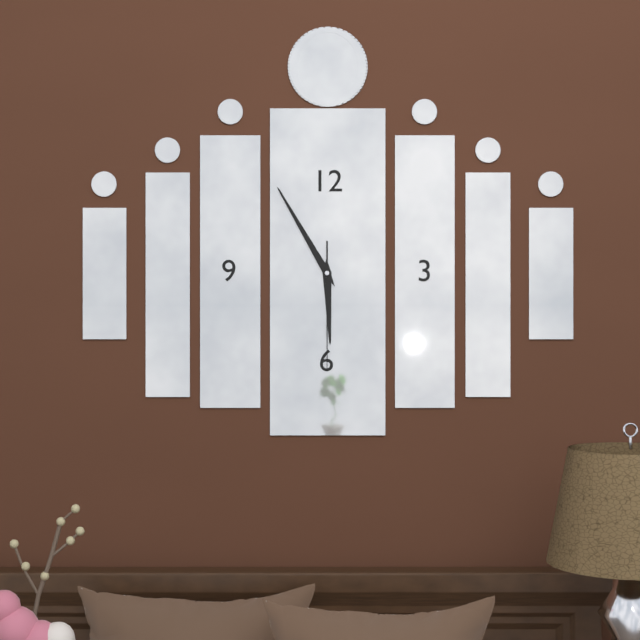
{"hour": 5, "minute": 55, "second": 30}
